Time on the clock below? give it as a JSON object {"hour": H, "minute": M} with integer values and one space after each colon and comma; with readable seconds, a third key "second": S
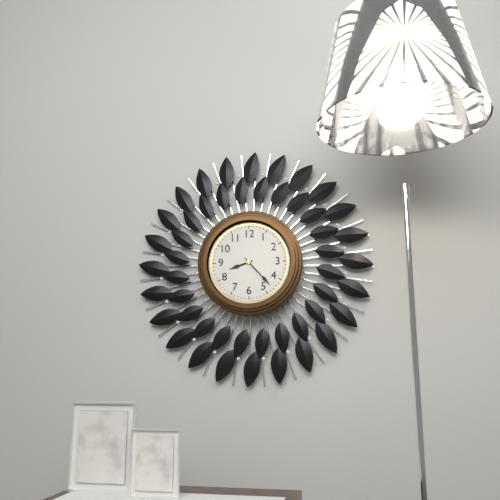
{"hour": 8, "minute": 23}
